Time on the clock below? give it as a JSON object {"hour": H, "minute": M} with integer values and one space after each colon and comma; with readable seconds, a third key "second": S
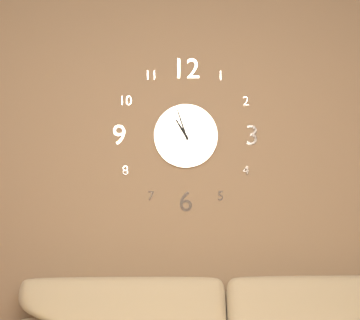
{"hour": 10, "minute": 57}
